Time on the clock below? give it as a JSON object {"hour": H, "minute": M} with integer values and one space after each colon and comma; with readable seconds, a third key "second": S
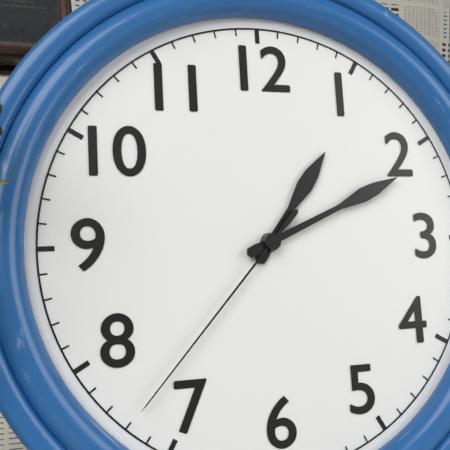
{"hour": 1, "minute": 11, "second": 37}
